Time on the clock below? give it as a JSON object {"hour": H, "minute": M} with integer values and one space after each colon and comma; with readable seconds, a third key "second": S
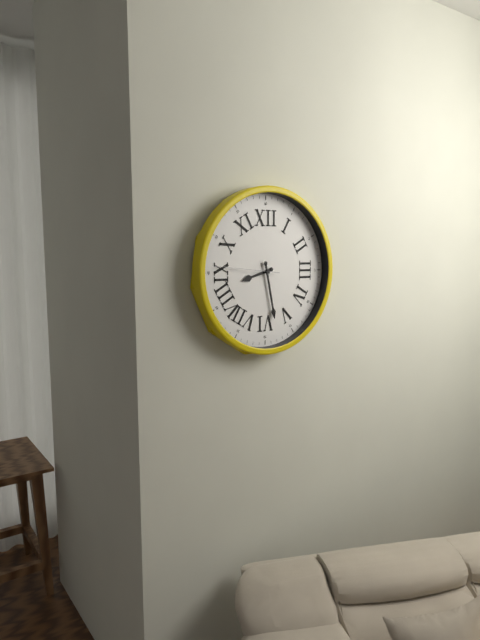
{"hour": 8, "minute": 28, "second": 46}
